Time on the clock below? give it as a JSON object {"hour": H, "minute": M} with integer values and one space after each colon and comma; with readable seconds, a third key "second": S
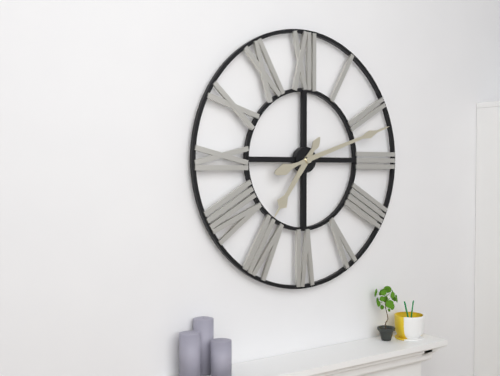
{"hour": 7, "minute": 12}
